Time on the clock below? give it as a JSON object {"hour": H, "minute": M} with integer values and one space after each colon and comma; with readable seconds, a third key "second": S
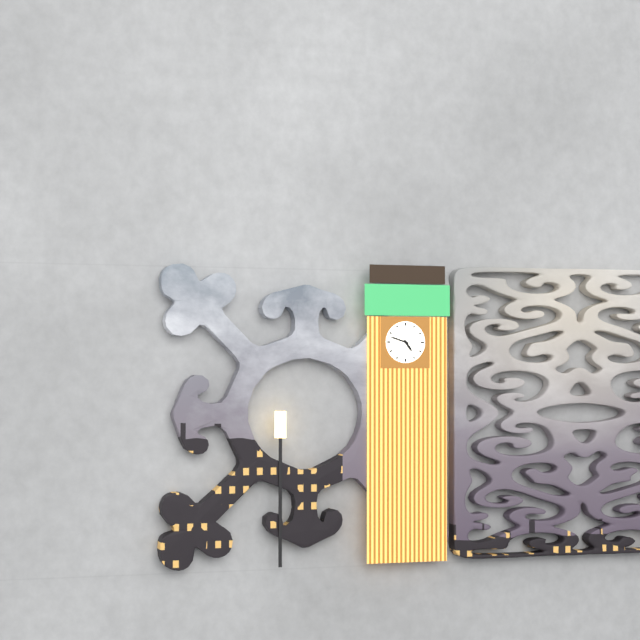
{"hour": 4, "minute": 48}
